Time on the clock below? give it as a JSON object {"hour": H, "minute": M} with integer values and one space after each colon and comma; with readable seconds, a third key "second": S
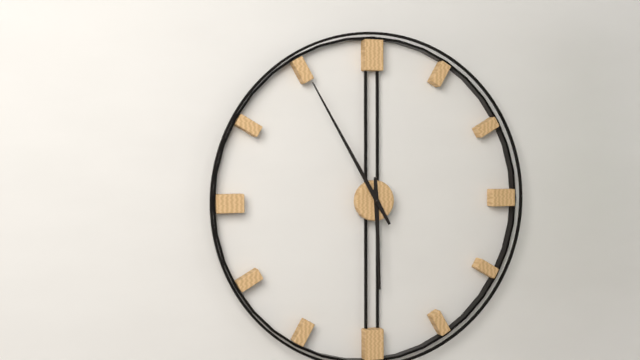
{"hour": 5, "minute": 55}
